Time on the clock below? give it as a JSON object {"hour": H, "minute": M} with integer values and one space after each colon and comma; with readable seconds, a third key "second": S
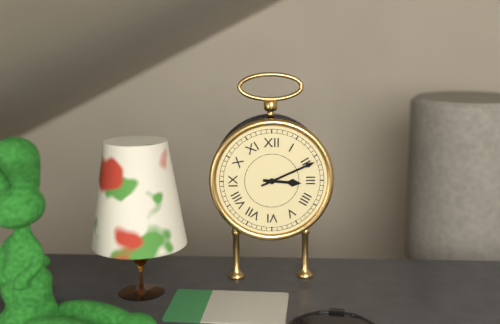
{"hour": 3, "minute": 11}
